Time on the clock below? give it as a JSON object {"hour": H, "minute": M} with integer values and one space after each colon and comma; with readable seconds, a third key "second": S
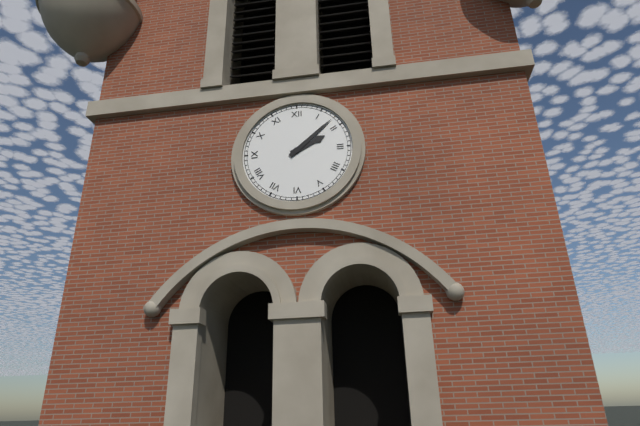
{"hour": 2, "minute": 8}
